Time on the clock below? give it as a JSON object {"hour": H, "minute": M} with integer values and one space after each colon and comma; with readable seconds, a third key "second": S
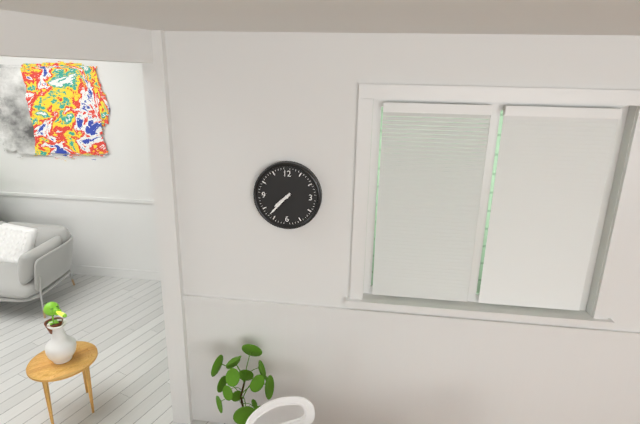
{"hour": 7, "minute": 37}
